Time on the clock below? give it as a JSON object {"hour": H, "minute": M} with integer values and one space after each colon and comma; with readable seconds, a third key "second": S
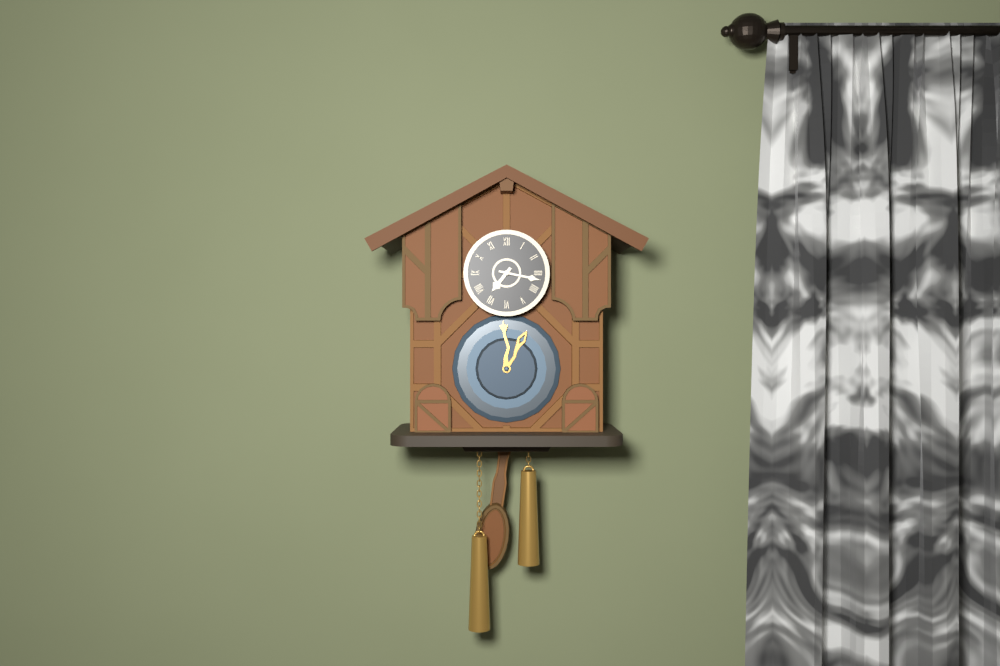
{"hour": 7, "minute": 17}
